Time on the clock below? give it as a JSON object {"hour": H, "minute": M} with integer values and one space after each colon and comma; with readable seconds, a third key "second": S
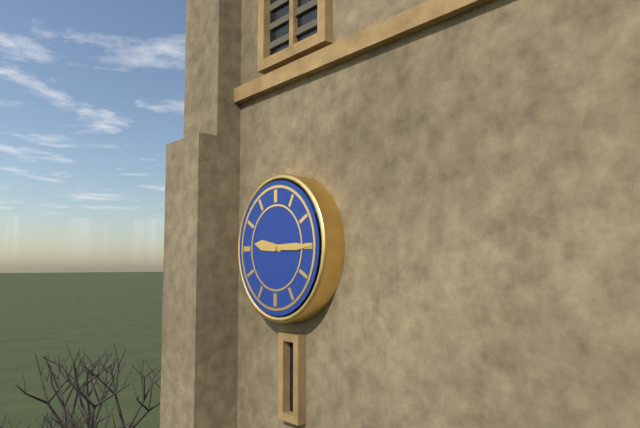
{"hour": 9, "minute": 15}
